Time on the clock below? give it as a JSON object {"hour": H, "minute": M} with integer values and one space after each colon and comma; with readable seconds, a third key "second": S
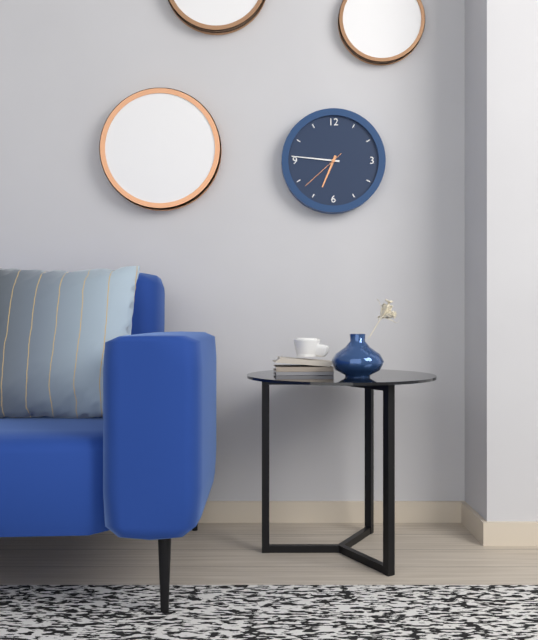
{"hour": 6, "minute": 46}
